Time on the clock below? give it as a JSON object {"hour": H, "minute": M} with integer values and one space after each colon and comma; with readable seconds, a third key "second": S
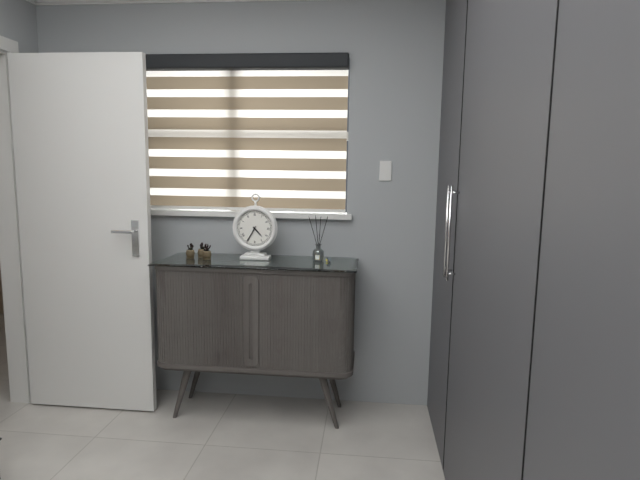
{"hour": 4, "minute": 35}
